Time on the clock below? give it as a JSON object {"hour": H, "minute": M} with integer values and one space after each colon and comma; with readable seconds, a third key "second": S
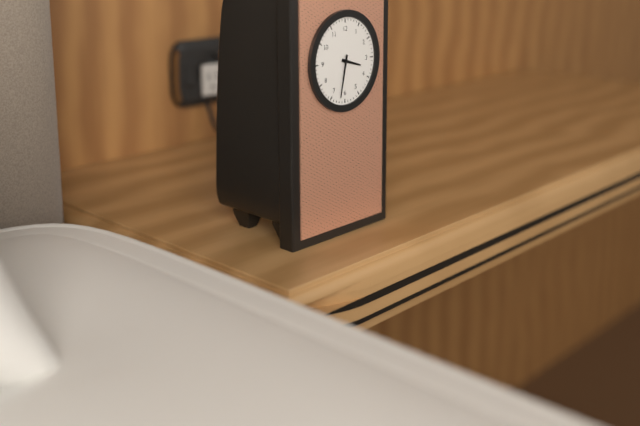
{"hour": 3, "minute": 32}
